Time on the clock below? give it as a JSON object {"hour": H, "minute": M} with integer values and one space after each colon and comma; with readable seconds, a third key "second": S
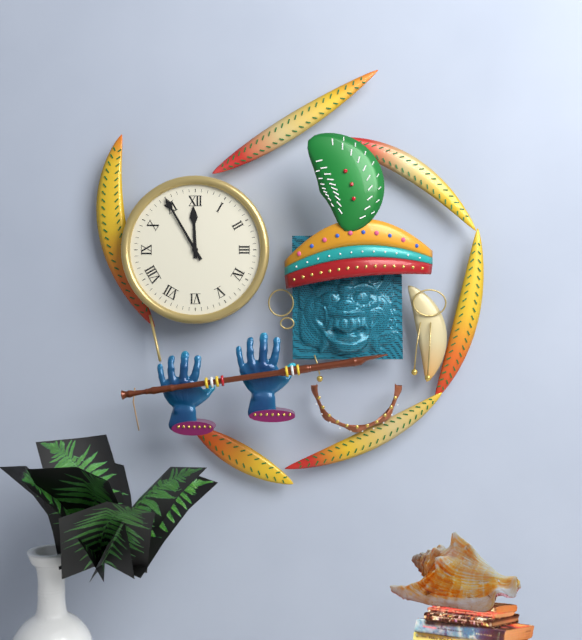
{"hour": 11, "minute": 55}
